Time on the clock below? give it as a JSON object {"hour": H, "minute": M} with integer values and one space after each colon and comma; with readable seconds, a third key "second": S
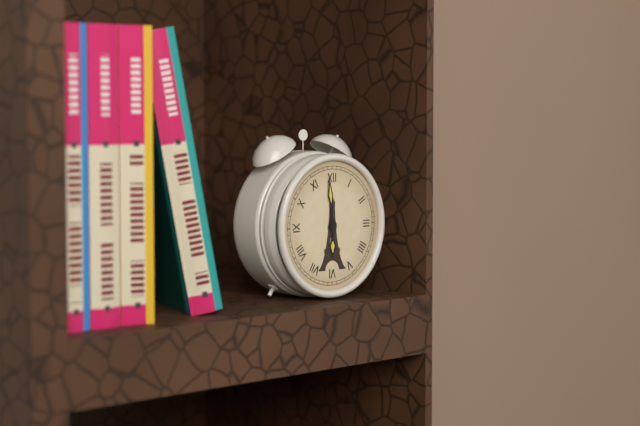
{"hour": 5, "minute": 59}
